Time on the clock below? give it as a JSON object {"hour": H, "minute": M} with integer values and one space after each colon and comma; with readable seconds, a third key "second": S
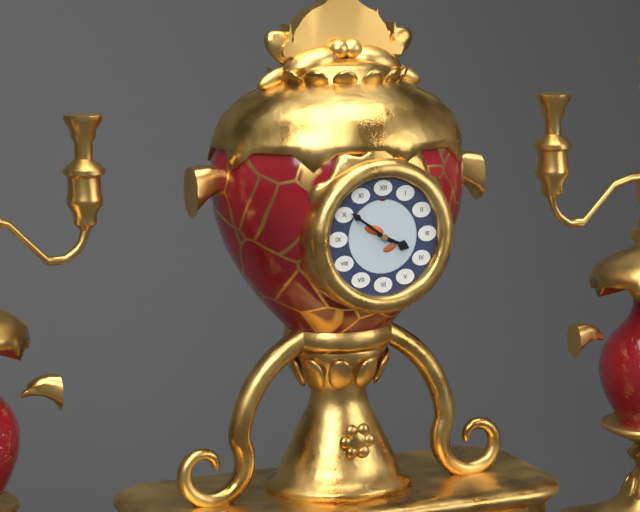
{"hour": 3, "minute": 51}
